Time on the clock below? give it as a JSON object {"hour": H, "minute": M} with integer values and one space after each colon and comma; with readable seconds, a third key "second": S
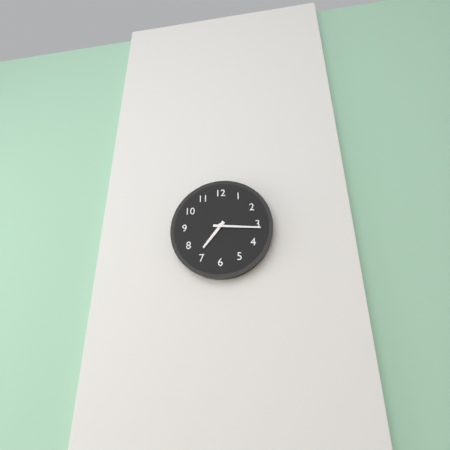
{"hour": 7, "minute": 16}
